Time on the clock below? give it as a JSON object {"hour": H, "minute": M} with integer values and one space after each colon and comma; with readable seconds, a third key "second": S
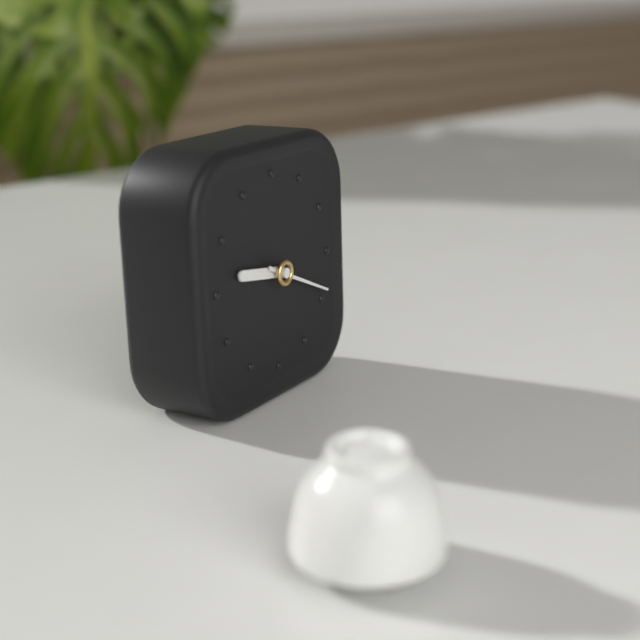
{"hour": 9, "minute": 19}
